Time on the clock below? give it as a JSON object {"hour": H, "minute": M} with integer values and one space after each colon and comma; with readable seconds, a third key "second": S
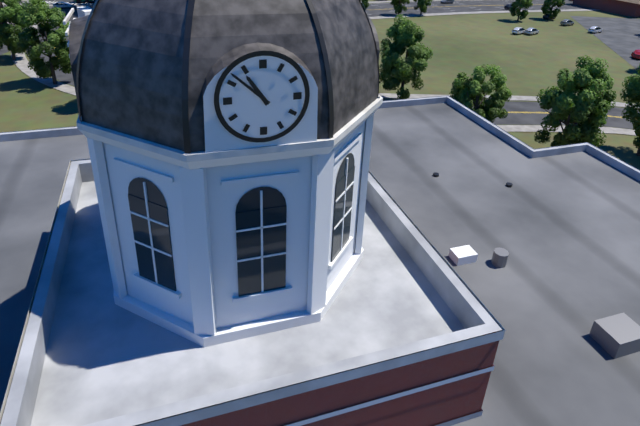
{"hour": 10, "minute": 52}
